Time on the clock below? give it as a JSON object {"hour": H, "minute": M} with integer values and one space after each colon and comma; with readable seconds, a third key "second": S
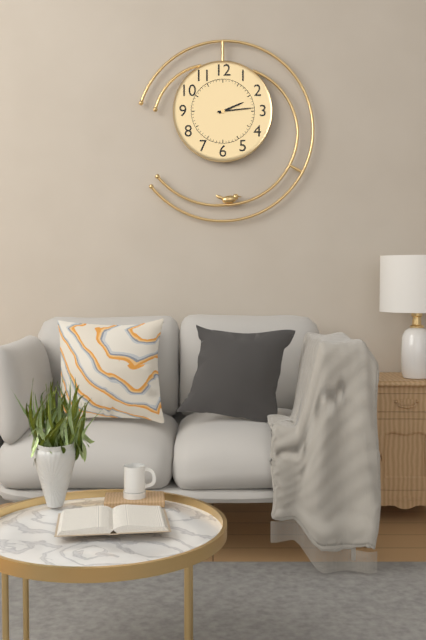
{"hour": 2, "minute": 14}
